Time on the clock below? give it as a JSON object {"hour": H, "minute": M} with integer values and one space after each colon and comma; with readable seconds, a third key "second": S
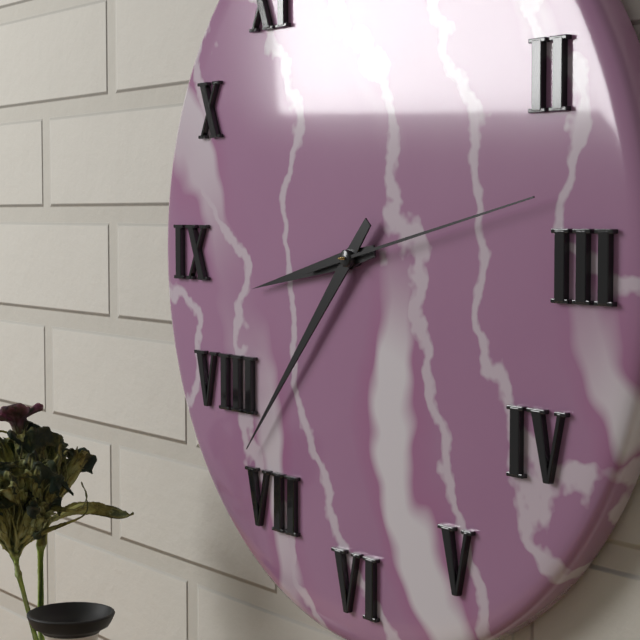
{"hour": 8, "minute": 37, "second": 13}
